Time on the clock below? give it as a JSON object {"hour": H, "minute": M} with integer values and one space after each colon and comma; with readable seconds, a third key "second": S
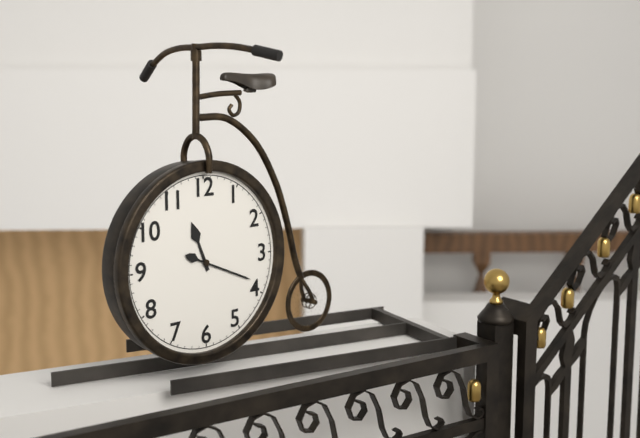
{"hour": 11, "minute": 19}
